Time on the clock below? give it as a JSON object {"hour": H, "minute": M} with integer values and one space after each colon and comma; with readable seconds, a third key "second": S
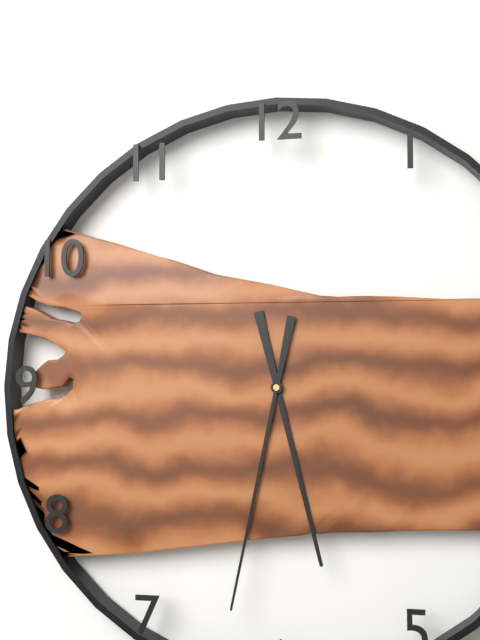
{"hour": 5, "minute": 32}
